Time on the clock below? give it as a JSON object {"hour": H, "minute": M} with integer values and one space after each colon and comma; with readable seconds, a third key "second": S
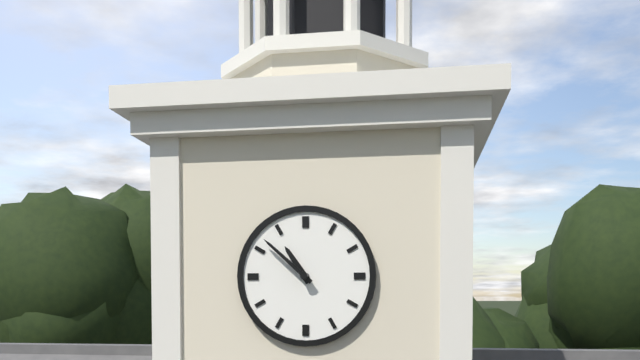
{"hour": 10, "minute": 52}
